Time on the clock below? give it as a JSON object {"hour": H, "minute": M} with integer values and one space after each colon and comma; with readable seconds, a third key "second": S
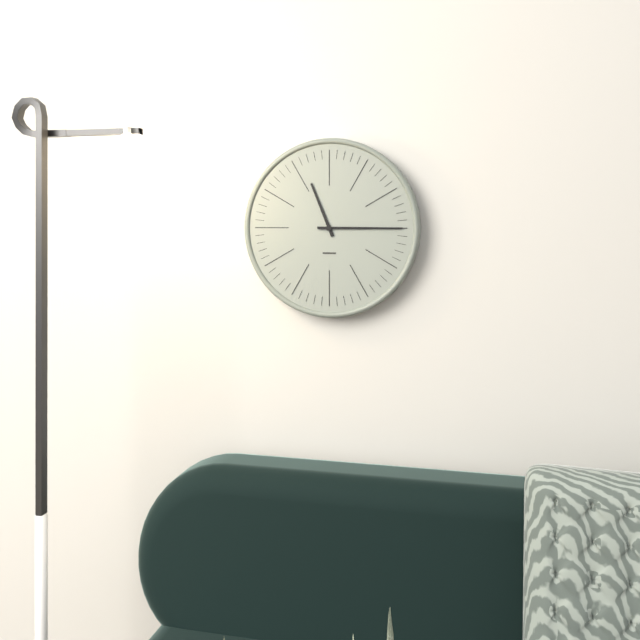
{"hour": 11, "minute": 15}
